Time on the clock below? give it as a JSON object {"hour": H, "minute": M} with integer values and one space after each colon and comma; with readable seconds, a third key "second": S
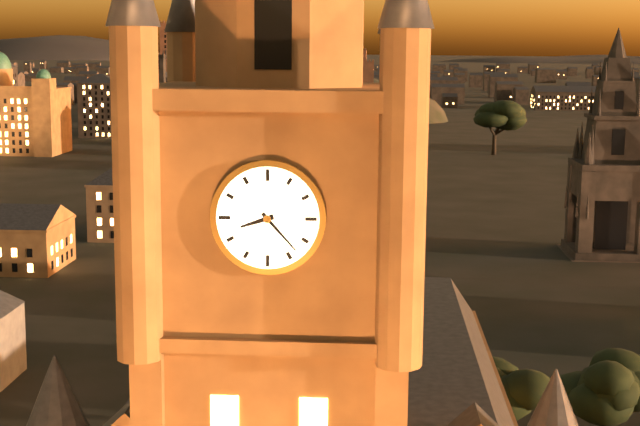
{"hour": 8, "minute": 23}
